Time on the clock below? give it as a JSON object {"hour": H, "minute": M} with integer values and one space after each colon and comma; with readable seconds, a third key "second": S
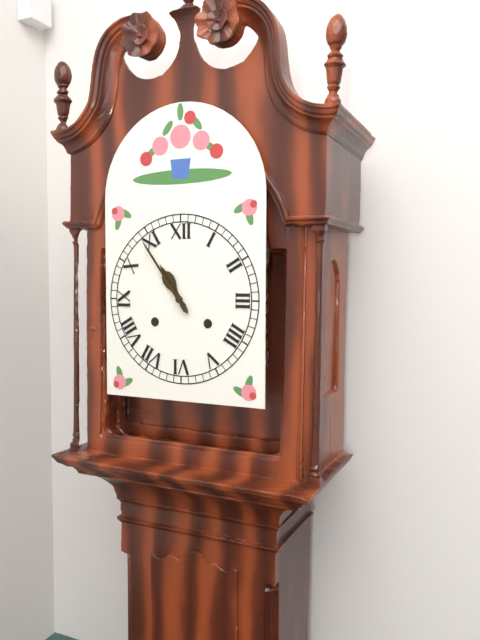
{"hour": 10, "minute": 54}
